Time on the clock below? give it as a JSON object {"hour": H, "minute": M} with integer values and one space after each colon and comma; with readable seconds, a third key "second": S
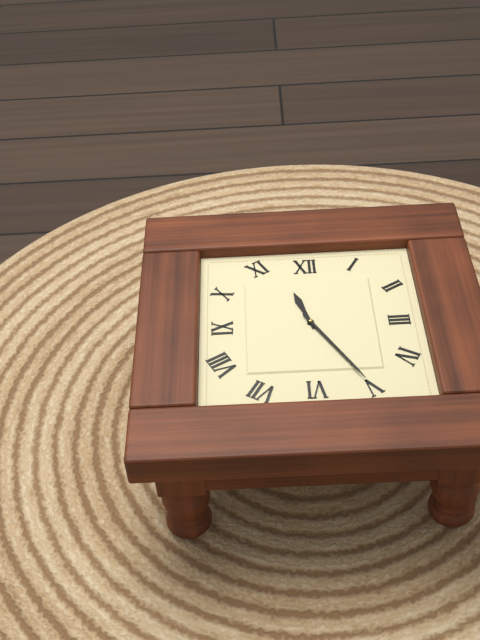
{"hour": 11, "minute": 25}
